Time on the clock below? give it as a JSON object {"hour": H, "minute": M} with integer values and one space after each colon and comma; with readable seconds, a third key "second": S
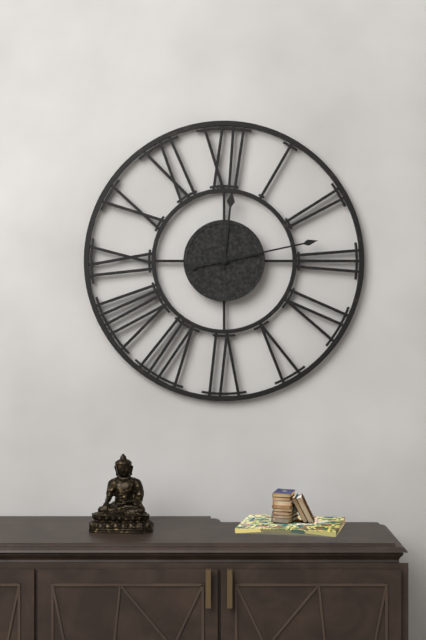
{"hour": 12, "minute": 13}
